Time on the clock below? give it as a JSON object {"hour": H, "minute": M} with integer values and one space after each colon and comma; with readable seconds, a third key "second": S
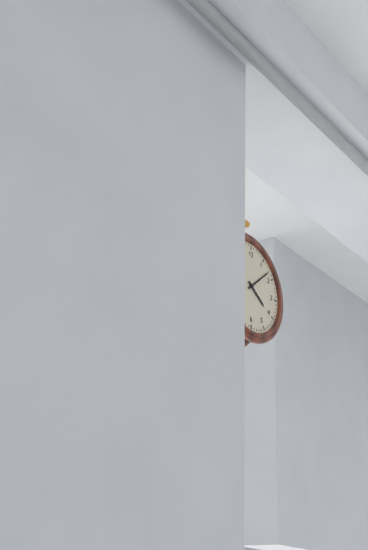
{"hour": 4, "minute": 8}
